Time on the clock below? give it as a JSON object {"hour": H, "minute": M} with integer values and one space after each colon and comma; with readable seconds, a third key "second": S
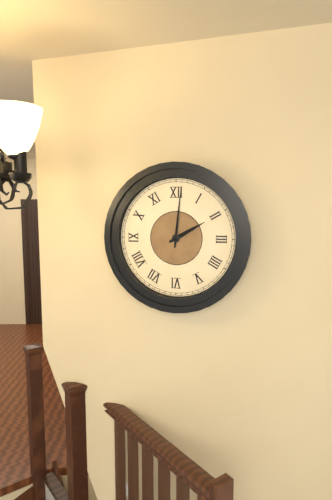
{"hour": 2, "minute": 1}
